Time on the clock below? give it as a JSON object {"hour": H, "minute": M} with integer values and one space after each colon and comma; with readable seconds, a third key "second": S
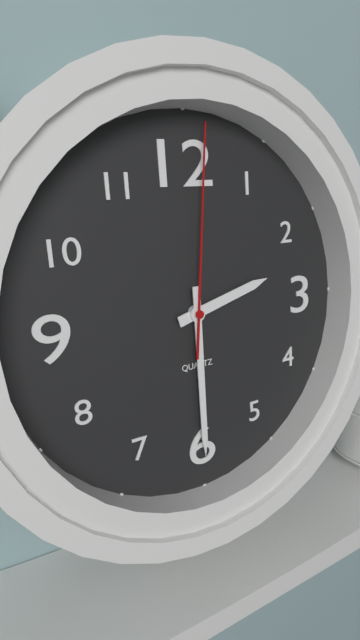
{"hour": 2, "minute": 30, "second": 1}
